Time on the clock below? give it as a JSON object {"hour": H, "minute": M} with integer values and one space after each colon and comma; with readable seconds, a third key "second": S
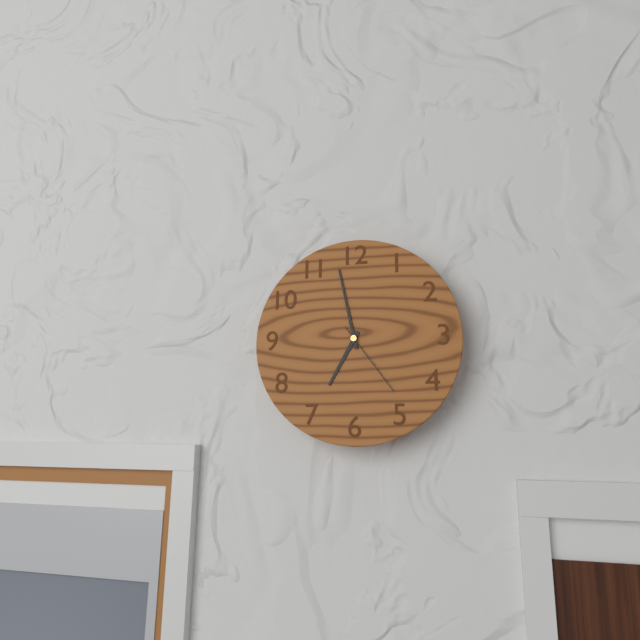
{"hour": 6, "minute": 58, "second": 24}
